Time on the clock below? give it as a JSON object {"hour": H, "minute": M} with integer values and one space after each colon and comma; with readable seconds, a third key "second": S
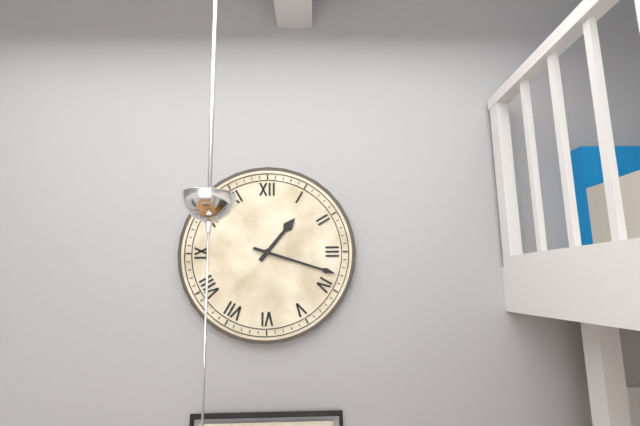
{"hour": 1, "minute": 18}
